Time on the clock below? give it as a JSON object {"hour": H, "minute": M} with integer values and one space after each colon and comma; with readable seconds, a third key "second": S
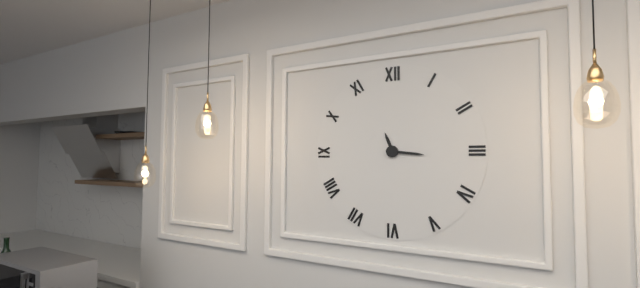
{"hour": 11, "minute": 16}
